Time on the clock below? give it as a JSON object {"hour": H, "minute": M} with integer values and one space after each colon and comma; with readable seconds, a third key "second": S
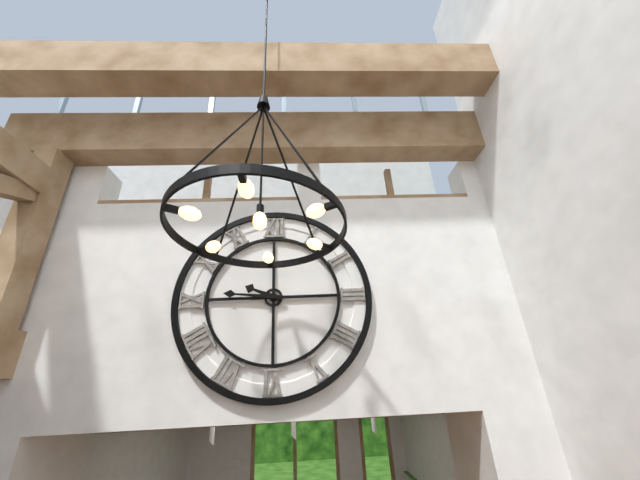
{"hour": 9, "minute": 46}
